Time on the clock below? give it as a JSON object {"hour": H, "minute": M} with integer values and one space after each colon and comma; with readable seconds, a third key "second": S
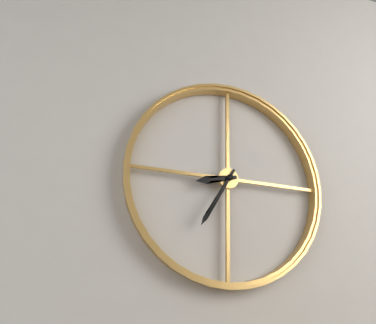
{"hour": 8, "minute": 35}
